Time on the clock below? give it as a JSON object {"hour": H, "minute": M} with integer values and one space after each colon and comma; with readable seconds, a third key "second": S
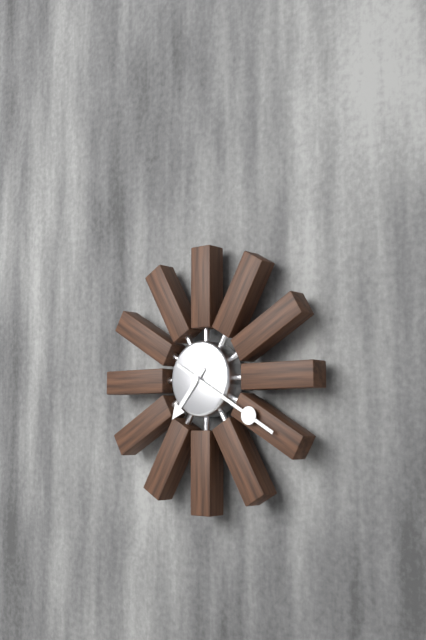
{"hour": 7, "minute": 20}
